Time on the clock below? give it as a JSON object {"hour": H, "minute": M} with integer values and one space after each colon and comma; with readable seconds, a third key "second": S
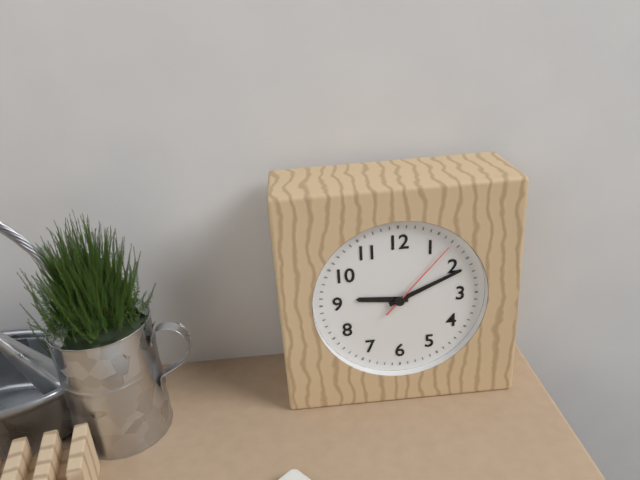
{"hour": 9, "minute": 11, "second": 7}
